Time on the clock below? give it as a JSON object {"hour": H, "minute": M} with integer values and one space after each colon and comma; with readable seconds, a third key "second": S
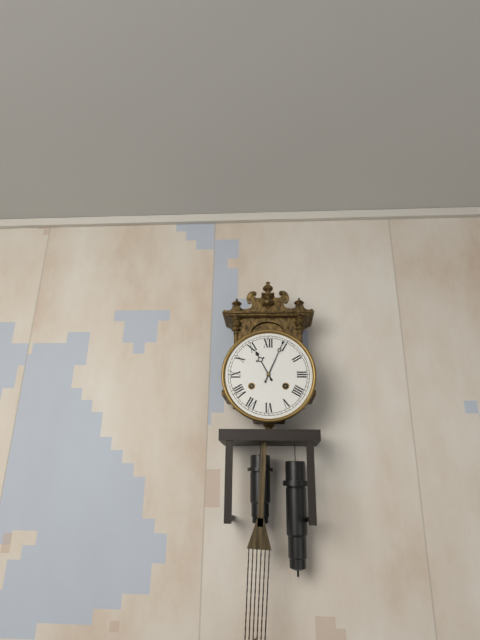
{"hour": 11, "minute": 4}
